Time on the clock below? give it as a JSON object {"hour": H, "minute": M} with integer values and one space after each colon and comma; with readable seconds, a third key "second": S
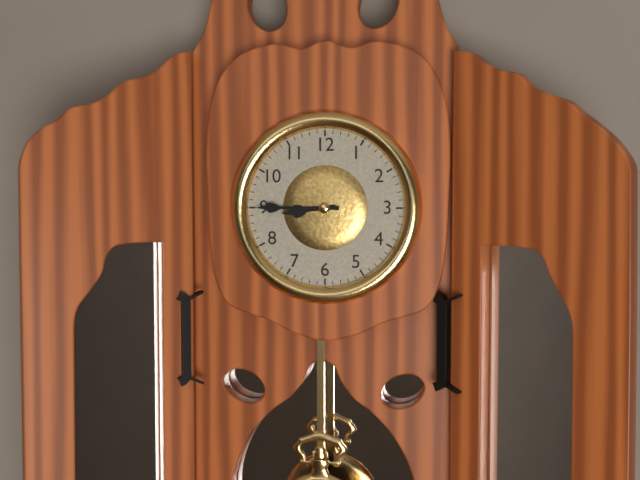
{"hour": 8, "minute": 45}
